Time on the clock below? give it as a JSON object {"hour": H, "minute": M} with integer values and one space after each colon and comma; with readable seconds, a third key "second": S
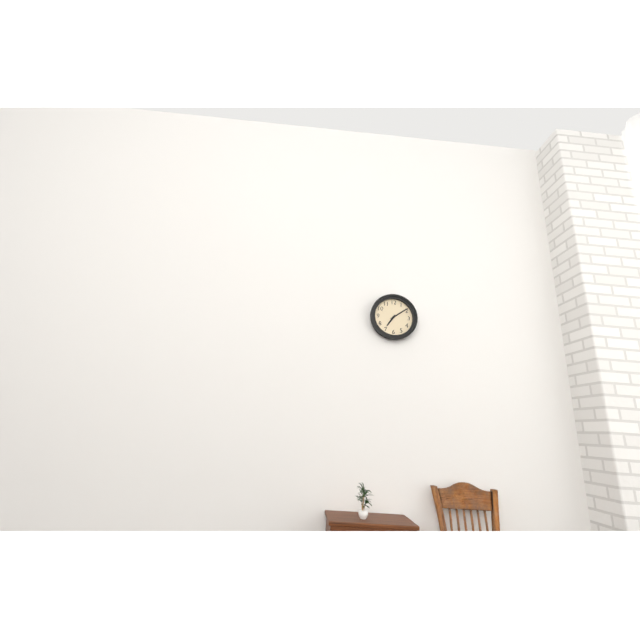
{"hour": 7, "minute": 9}
